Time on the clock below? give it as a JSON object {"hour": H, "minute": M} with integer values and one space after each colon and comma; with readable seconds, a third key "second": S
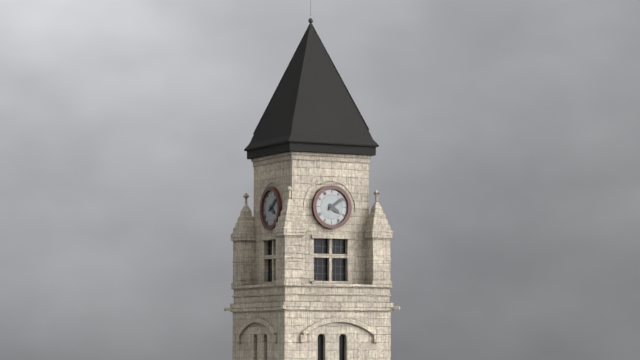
{"hour": 4, "minute": 9}
